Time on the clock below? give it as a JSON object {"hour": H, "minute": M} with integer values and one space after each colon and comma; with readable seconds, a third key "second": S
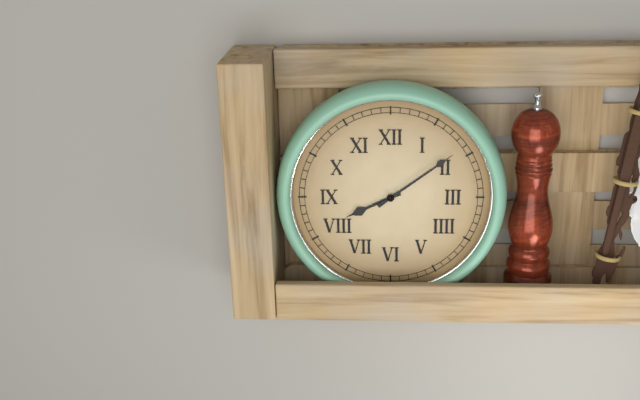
{"hour": 8, "minute": 9}
